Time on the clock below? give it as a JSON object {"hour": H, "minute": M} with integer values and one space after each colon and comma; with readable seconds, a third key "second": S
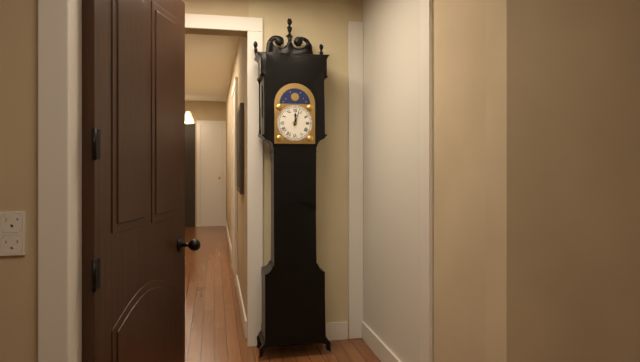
{"hour": 12, "minute": 3}
